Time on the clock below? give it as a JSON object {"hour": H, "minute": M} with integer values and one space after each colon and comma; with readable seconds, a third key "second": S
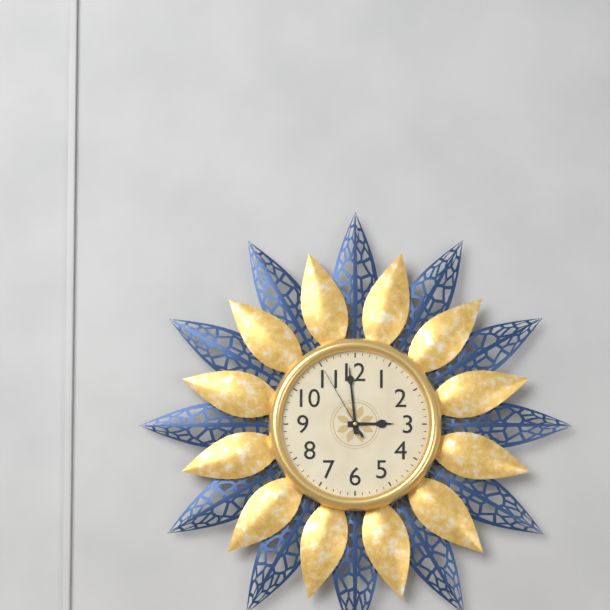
{"hour": 2, "minute": 59, "second": 55}
